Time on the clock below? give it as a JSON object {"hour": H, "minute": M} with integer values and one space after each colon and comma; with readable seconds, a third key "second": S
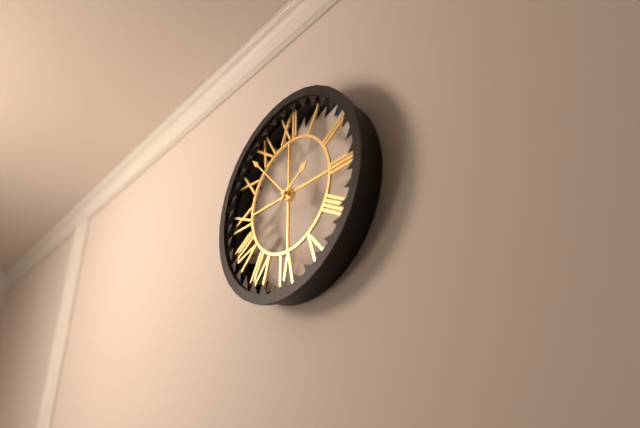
{"hour": 1, "minute": 53}
